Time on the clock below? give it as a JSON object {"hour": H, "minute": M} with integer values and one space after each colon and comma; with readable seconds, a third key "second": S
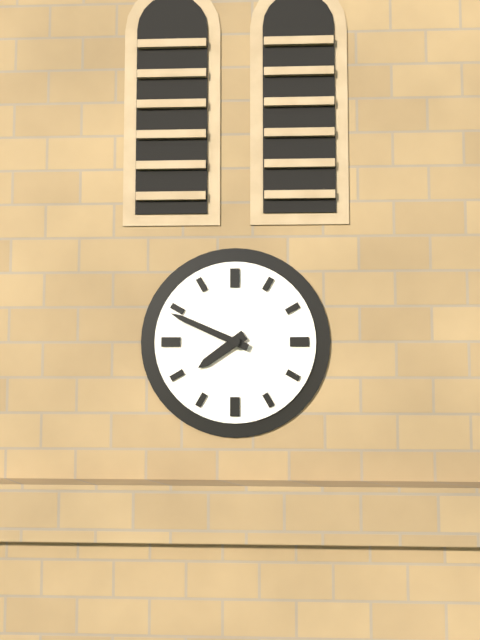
{"hour": 7, "minute": 49}
